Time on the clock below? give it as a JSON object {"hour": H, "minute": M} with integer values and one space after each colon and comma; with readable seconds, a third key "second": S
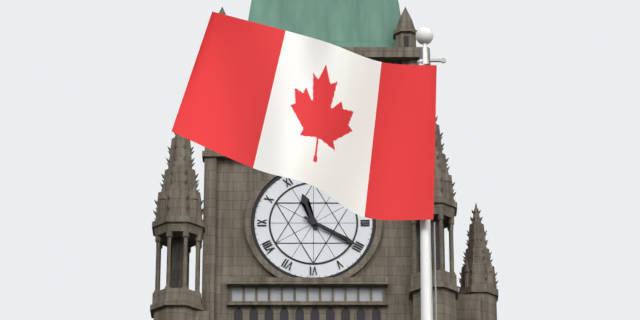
{"hour": 11, "minute": 20}
